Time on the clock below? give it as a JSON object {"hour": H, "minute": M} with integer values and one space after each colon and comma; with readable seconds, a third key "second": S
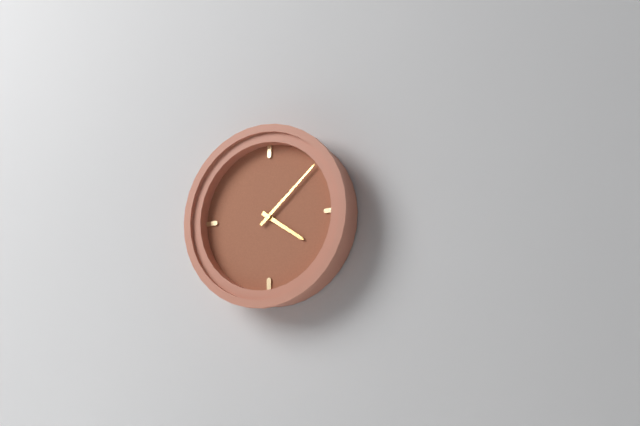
{"hour": 4, "minute": 8}
